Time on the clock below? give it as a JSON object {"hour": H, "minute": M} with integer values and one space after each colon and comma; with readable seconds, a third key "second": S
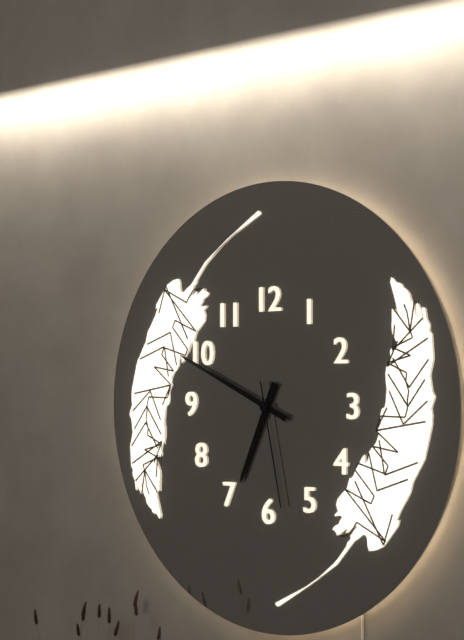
{"hour": 6, "minute": 49, "second": 28}
